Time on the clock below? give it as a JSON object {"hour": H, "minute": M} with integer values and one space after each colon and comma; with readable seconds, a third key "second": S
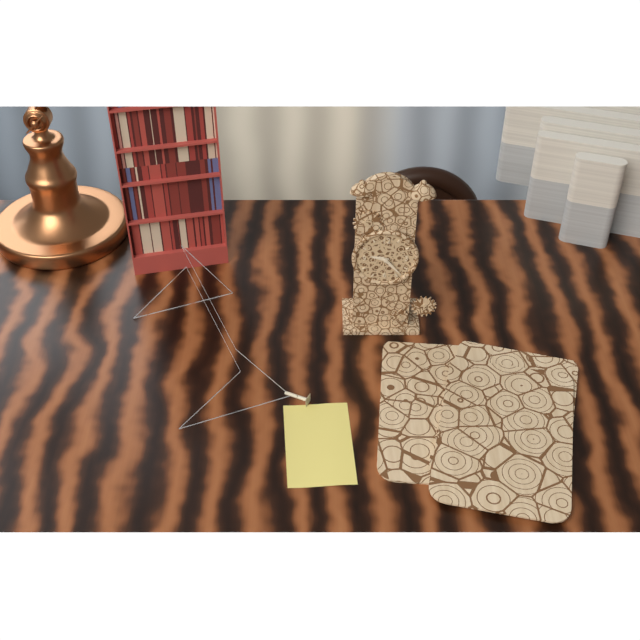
{"hour": 9, "minute": 23}
